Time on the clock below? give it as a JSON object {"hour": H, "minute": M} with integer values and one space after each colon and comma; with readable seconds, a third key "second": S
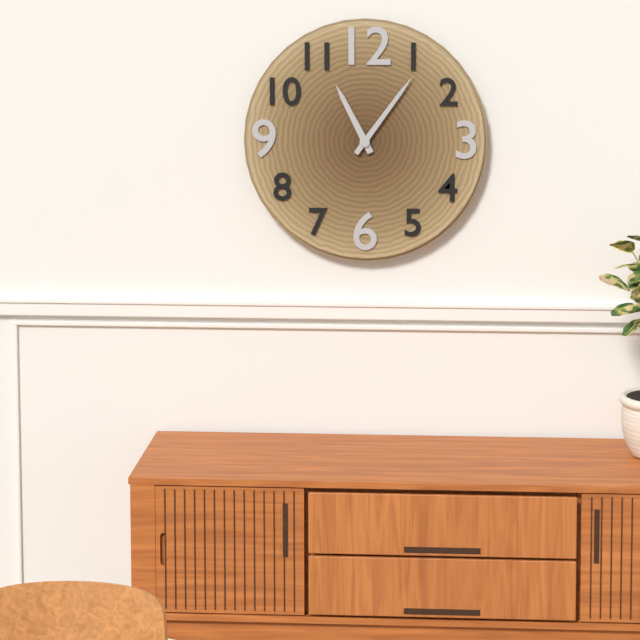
{"hour": 11, "minute": 6}
